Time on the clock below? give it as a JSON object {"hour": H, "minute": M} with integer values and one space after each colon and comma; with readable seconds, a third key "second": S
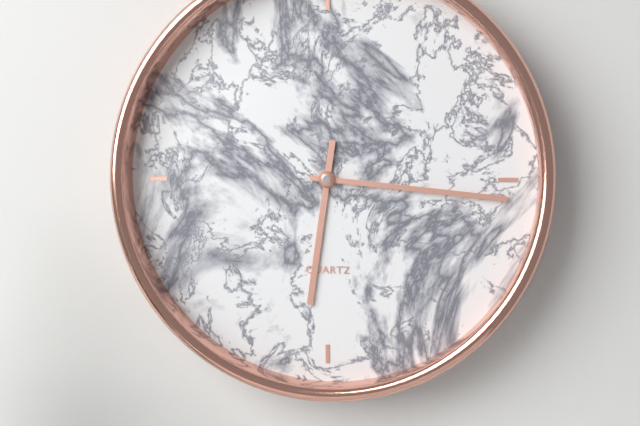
{"hour": 6, "minute": 16}
